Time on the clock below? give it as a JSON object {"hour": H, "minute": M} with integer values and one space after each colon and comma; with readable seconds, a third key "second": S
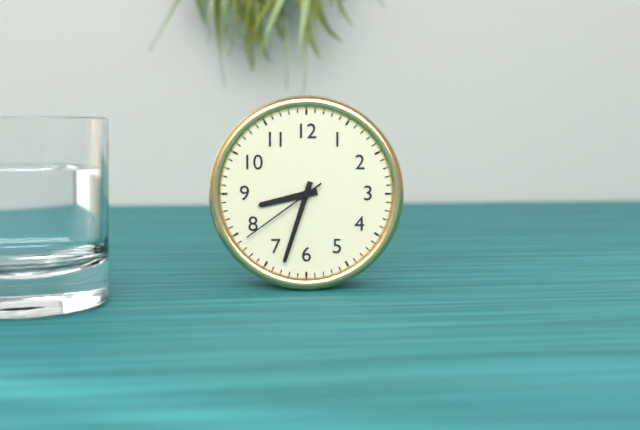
{"hour": 8, "minute": 33, "second": 39}
